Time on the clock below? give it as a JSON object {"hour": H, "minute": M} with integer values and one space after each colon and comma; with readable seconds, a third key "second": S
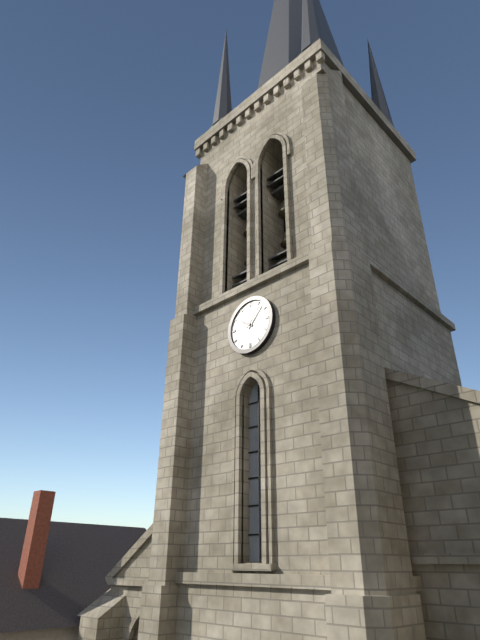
{"hour": 10, "minute": 7}
